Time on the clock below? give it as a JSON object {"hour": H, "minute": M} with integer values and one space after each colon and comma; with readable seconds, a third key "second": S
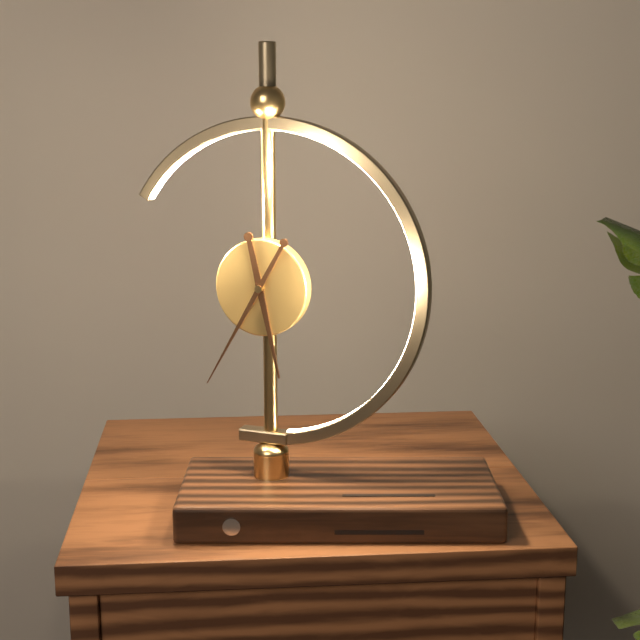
{"hour": 5, "minute": 35}
